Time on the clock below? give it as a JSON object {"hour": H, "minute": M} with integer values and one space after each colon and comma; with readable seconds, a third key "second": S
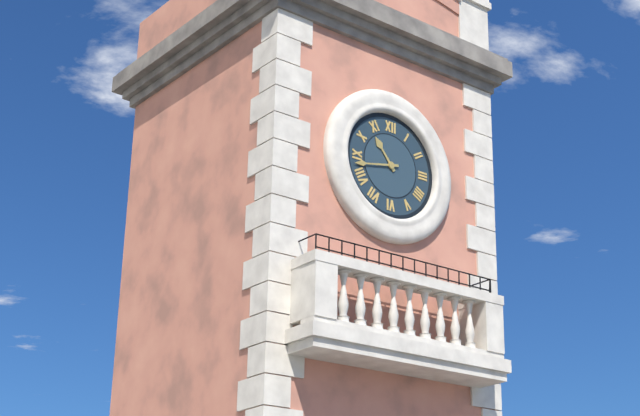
{"hour": 10, "minute": 43}
